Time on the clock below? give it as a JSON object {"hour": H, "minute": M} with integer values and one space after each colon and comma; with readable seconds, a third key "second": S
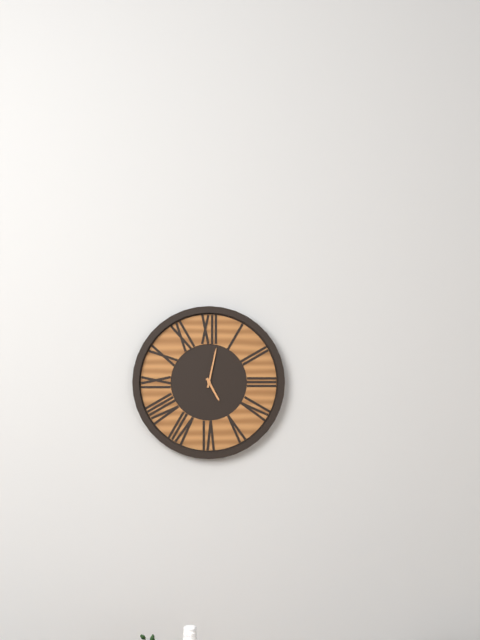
{"hour": 5, "minute": 2}
